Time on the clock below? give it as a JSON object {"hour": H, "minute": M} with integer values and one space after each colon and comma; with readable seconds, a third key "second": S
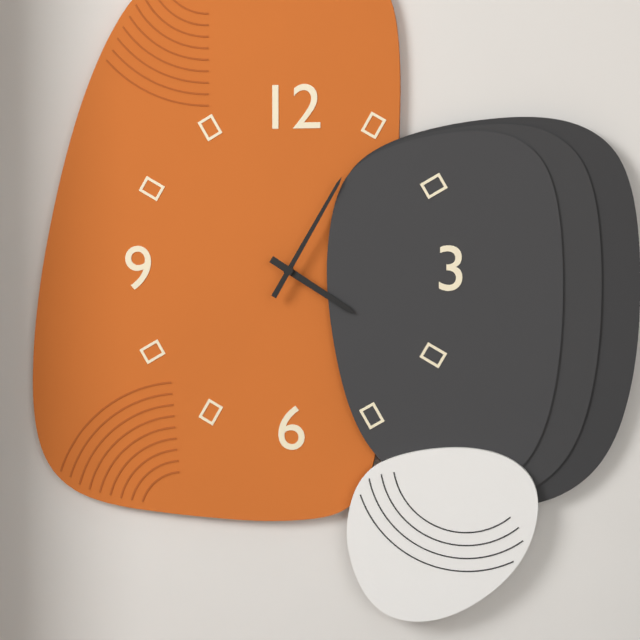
{"hour": 4, "minute": 5}
